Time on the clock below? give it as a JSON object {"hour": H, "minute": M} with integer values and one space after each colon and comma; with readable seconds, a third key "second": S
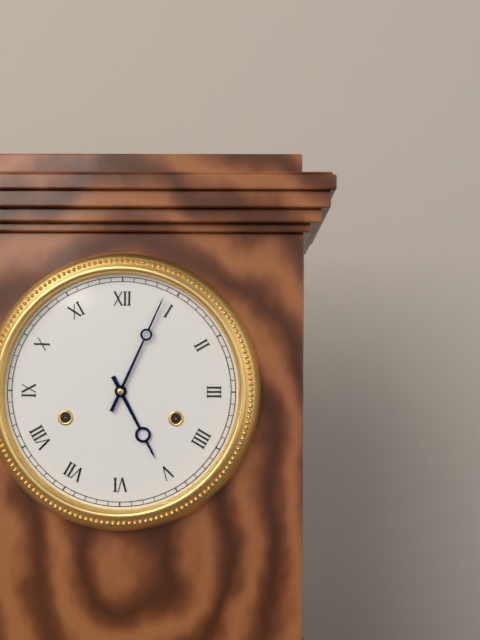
{"hour": 5, "minute": 4}
